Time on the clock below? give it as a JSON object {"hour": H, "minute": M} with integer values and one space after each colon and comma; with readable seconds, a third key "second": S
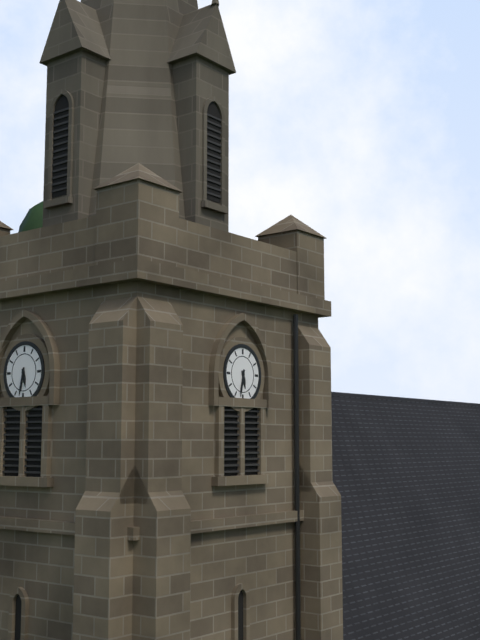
{"hour": 5, "minute": 32}
